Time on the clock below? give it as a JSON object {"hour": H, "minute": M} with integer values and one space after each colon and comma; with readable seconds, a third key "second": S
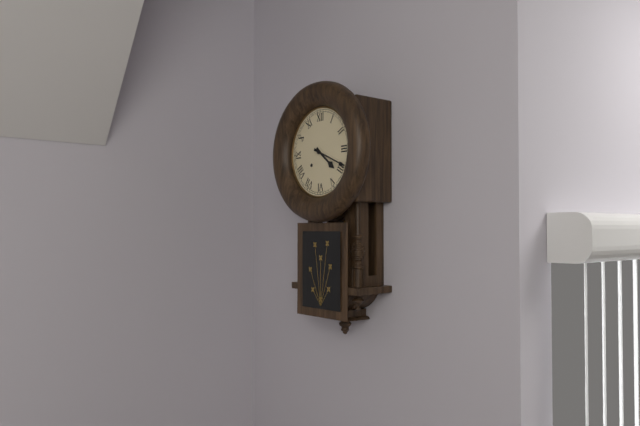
{"hour": 4, "minute": 19}
